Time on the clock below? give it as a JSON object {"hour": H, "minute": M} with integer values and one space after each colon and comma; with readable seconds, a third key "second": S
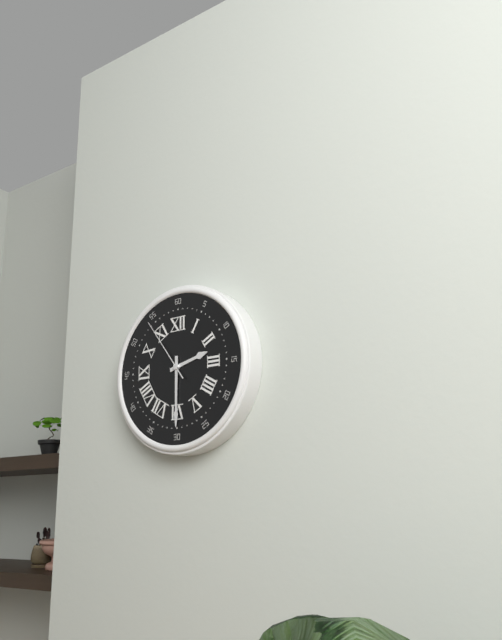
{"hour": 2, "minute": 30, "second": 54}
